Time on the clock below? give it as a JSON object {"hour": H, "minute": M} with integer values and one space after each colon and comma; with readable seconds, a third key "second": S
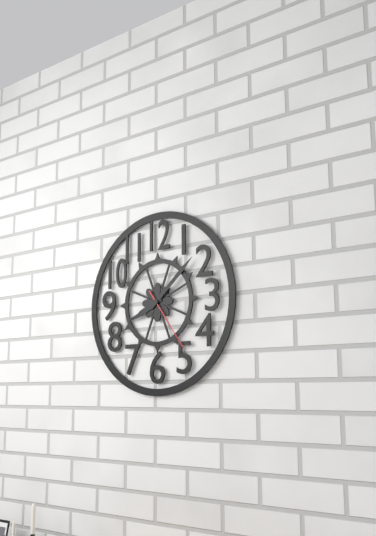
{"hour": 8, "minute": 8, "second": 24}
